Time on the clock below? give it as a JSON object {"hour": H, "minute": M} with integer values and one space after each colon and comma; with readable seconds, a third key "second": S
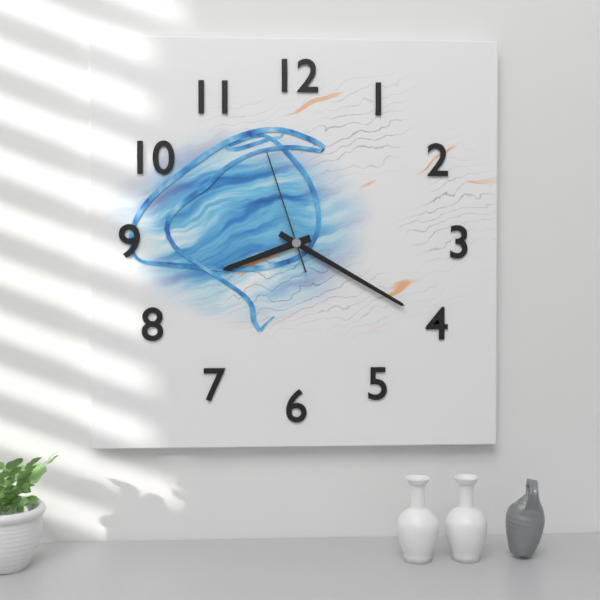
{"hour": 8, "minute": 20, "second": 57}
